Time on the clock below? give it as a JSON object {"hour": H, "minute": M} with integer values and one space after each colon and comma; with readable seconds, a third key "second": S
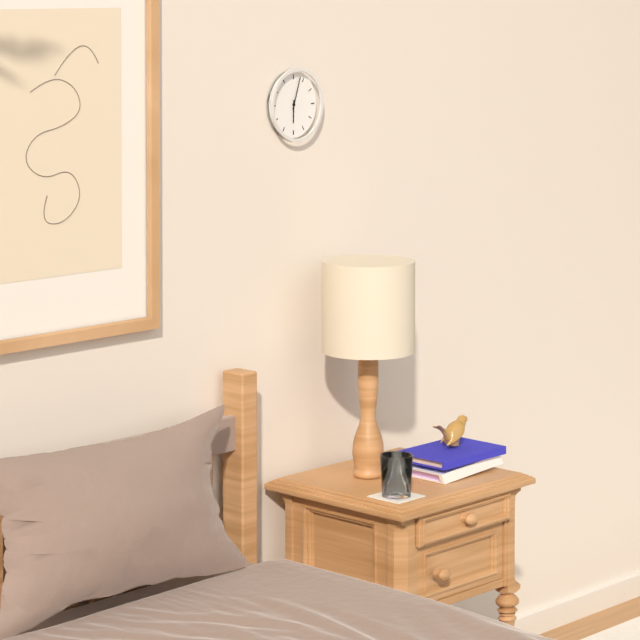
{"hour": 6, "minute": 3}
